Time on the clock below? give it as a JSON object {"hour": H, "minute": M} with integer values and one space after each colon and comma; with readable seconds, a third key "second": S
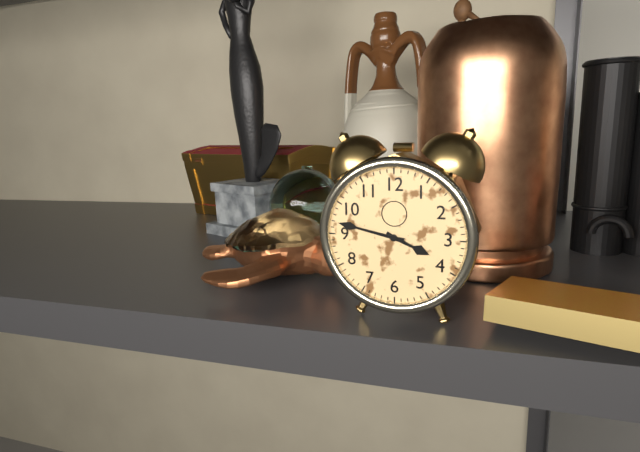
{"hour": 3, "minute": 47}
